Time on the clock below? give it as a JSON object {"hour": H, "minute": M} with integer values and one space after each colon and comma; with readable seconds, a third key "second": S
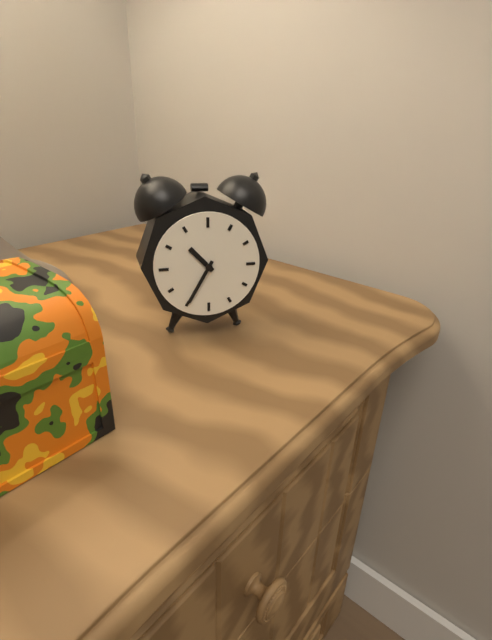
{"hour": 10, "minute": 35}
